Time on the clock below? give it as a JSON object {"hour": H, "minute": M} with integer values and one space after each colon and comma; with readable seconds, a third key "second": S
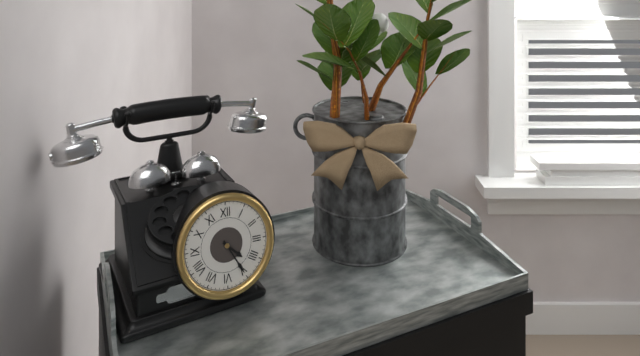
{"hour": 4, "minute": 25}
